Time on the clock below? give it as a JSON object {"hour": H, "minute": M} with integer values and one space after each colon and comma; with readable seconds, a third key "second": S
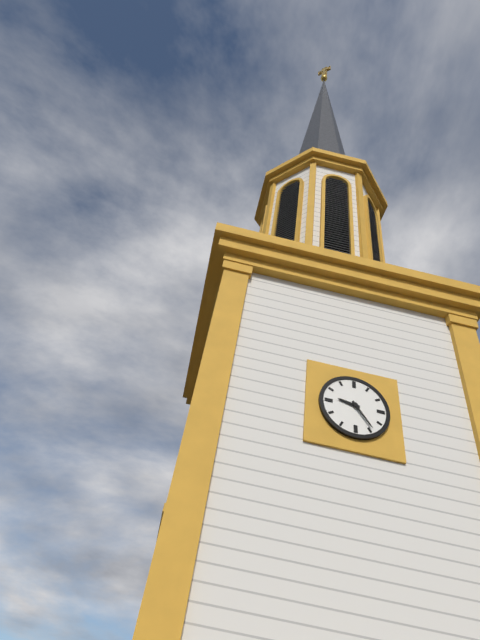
{"hour": 9, "minute": 24}
